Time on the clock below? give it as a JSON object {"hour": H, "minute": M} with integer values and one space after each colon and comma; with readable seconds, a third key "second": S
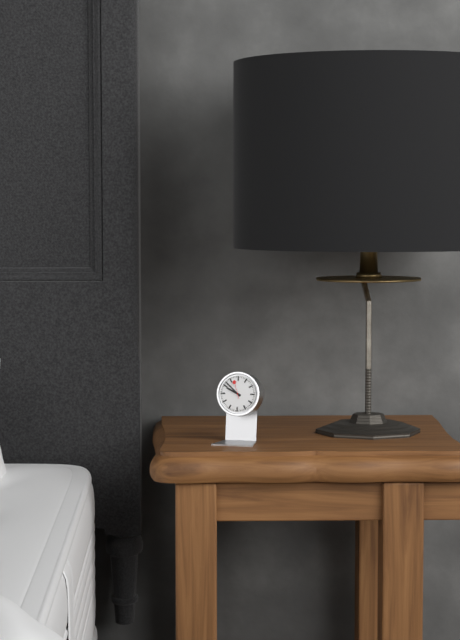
{"hour": 9, "minute": 52}
